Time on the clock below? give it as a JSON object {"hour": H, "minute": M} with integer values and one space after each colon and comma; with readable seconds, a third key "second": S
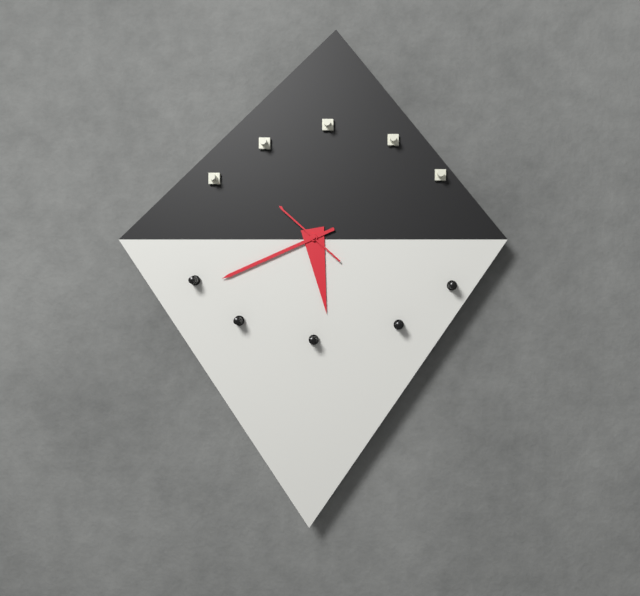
{"hour": 5, "minute": 41, "second": 52}
